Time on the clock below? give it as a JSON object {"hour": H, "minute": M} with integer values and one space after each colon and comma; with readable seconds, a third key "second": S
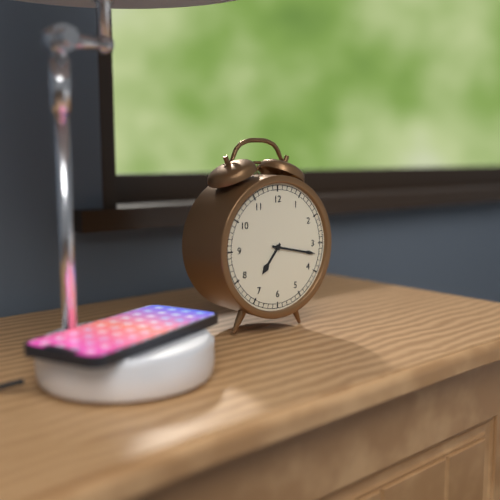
{"hour": 7, "minute": 17}
